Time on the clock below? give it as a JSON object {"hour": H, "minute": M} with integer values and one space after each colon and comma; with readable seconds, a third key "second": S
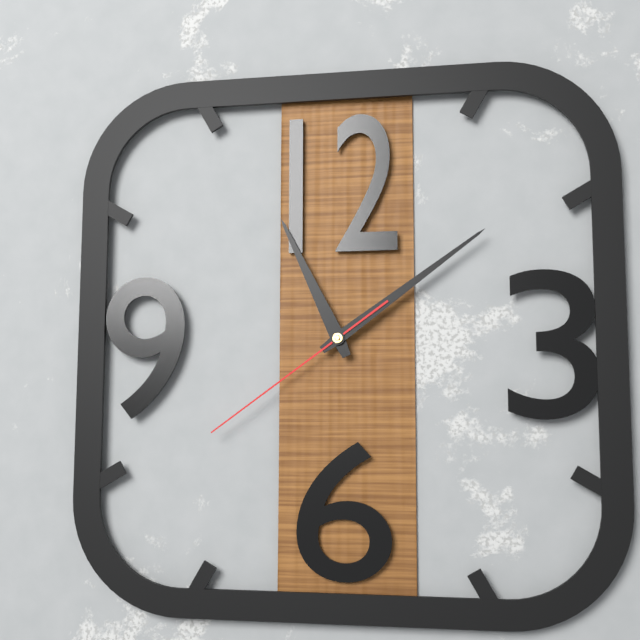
{"hour": 11, "minute": 9, "second": 39}
